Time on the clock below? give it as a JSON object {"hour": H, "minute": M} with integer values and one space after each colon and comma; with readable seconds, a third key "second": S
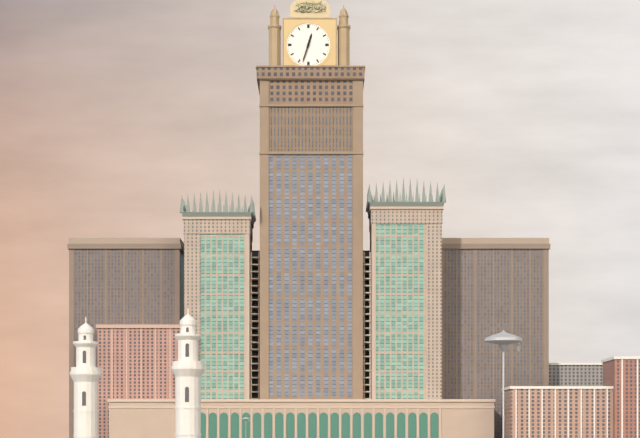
{"hour": 12, "minute": 33}
